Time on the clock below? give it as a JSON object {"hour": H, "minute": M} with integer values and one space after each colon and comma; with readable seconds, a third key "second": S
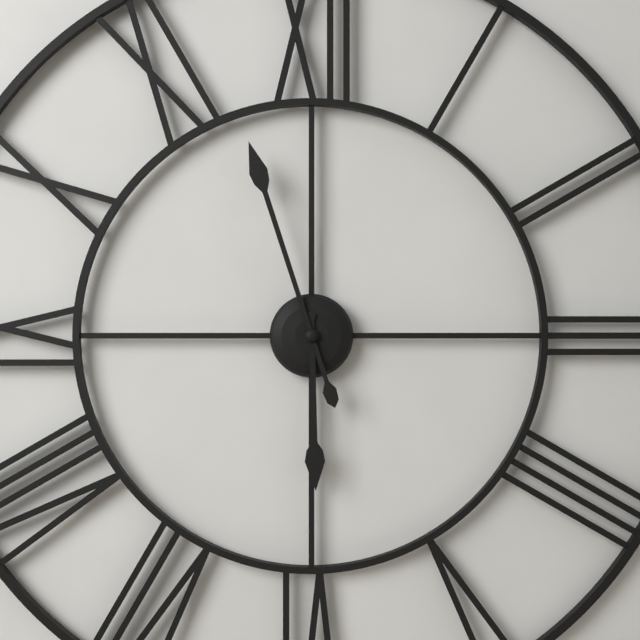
{"hour": 5, "minute": 57}
